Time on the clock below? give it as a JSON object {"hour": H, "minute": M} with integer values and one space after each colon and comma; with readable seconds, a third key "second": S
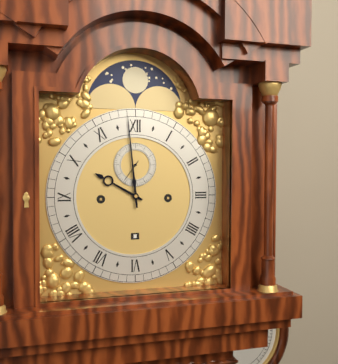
{"hour": 9, "minute": 59}
